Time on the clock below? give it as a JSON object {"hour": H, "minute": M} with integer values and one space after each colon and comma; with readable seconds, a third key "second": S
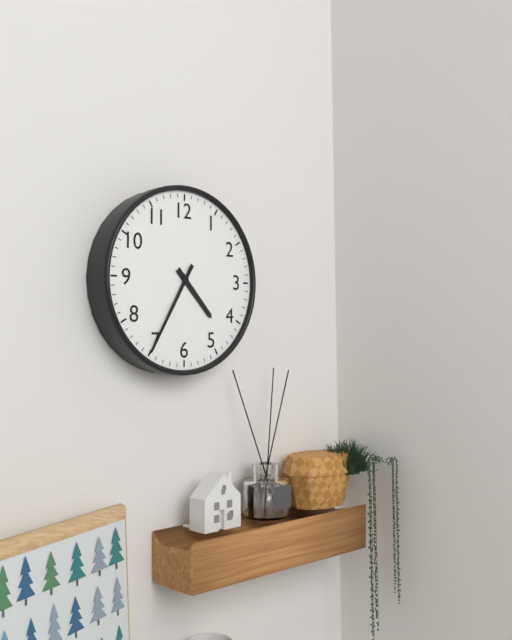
{"hour": 4, "minute": 35}
